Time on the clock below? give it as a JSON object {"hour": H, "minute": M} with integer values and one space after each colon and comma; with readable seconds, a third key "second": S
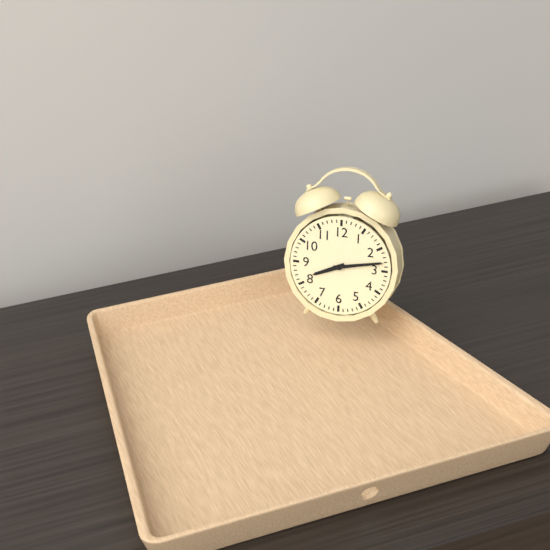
{"hour": 8, "minute": 13}
